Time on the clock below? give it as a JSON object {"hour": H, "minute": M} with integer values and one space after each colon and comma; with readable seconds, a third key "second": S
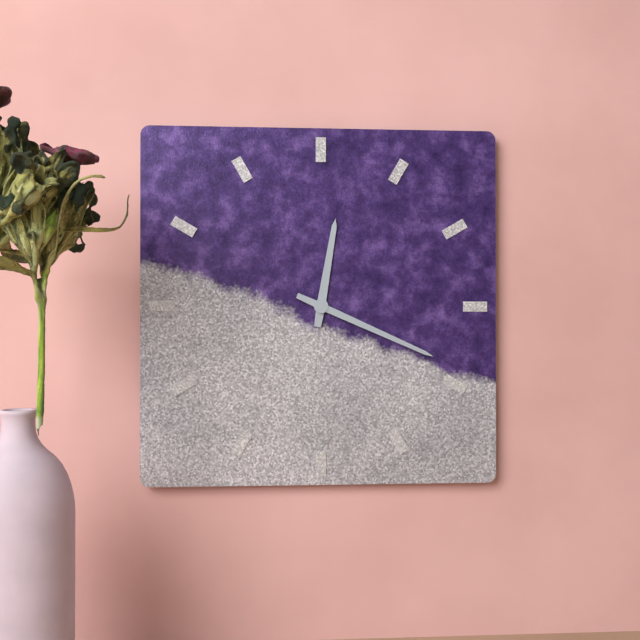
{"hour": 12, "minute": 19}
